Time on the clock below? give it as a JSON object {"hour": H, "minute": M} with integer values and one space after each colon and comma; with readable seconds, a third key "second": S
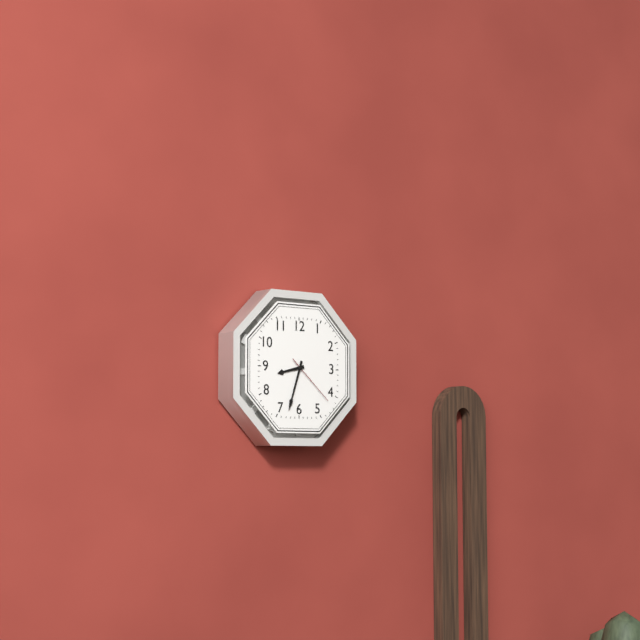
{"hour": 8, "minute": 33, "second": 22}
